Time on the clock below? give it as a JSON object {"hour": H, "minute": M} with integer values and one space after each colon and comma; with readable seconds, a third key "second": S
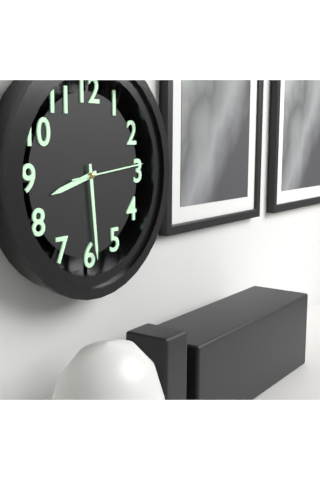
{"hour": 8, "minute": 29, "second": 14}
